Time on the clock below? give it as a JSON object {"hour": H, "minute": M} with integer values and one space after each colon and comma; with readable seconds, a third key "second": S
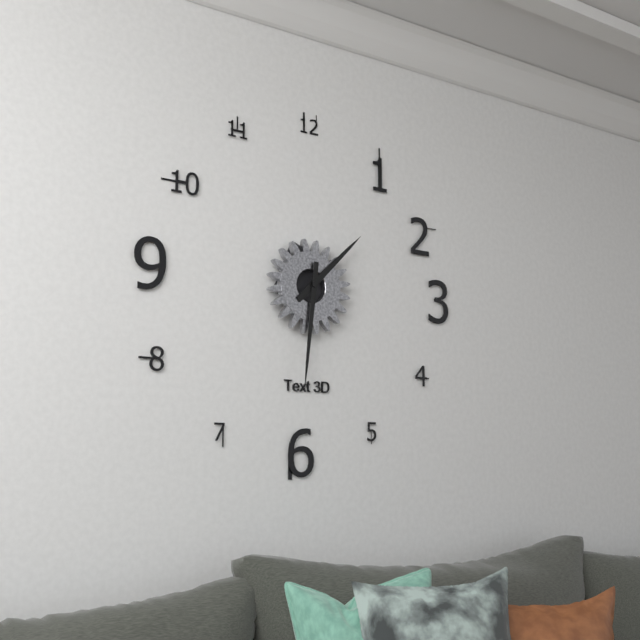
{"hour": 1, "minute": 31}
